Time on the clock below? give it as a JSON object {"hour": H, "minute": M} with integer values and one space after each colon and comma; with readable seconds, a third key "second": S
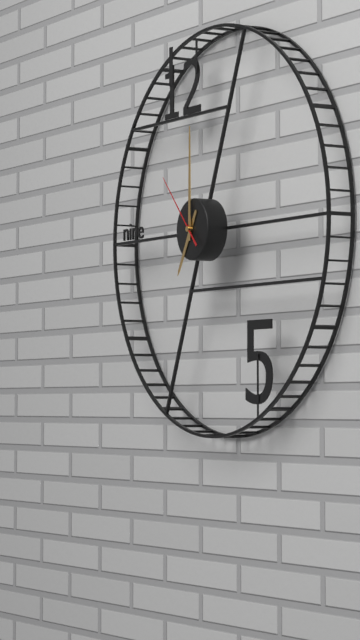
{"hour": 7, "minute": 0, "second": 53}
